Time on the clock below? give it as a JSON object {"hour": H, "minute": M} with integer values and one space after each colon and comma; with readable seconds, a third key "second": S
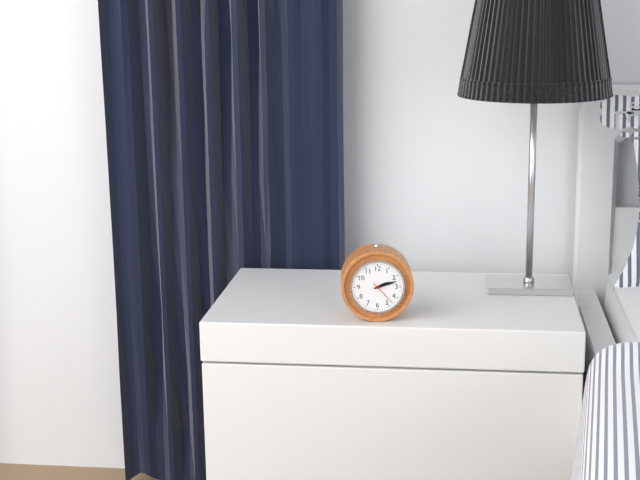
{"hour": 2, "minute": 12}
